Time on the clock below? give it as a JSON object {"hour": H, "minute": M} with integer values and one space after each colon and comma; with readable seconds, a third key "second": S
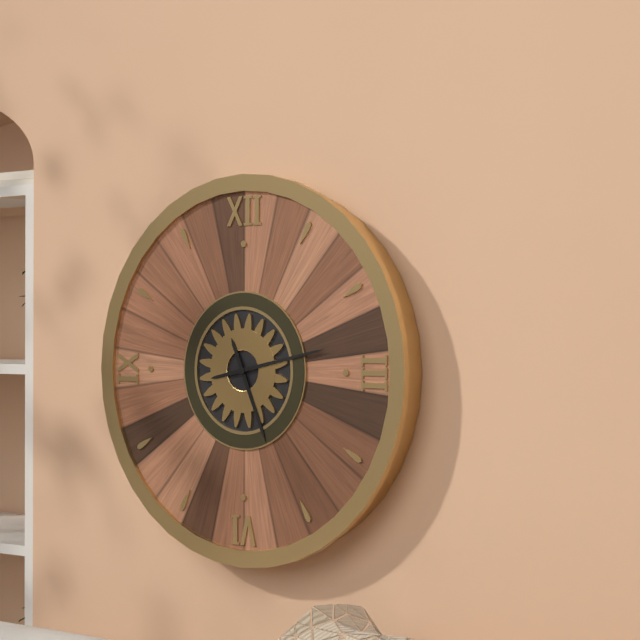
{"hour": 5, "minute": 13}
